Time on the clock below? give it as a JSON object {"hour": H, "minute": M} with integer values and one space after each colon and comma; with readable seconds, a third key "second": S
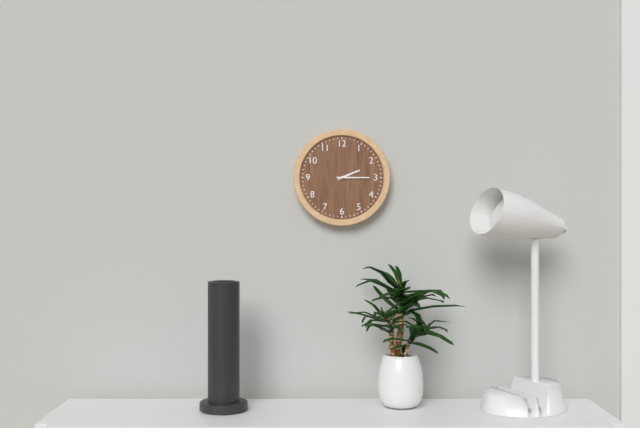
{"hour": 2, "minute": 15}
